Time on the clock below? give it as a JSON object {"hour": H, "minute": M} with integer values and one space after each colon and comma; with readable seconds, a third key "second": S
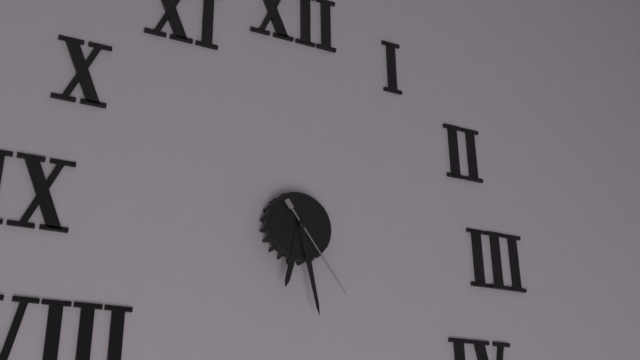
{"hour": 6, "minute": 28, "second": 24}
